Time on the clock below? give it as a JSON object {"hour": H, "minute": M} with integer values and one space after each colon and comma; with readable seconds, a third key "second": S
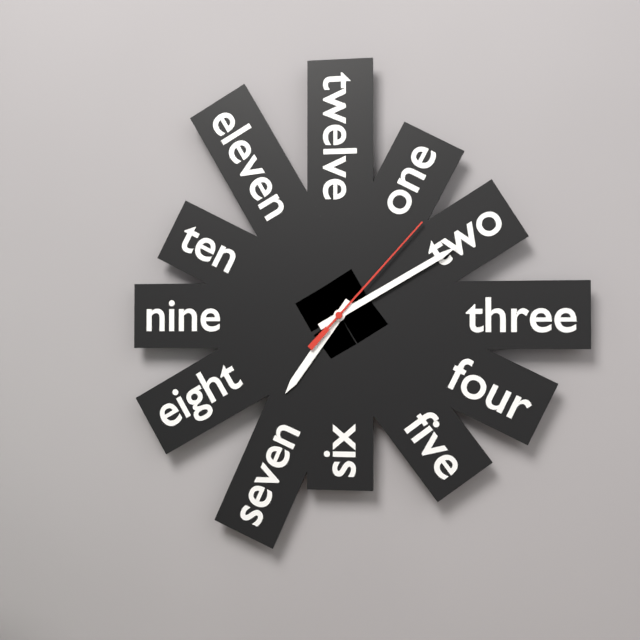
{"hour": 7, "minute": 10, "second": 7}
